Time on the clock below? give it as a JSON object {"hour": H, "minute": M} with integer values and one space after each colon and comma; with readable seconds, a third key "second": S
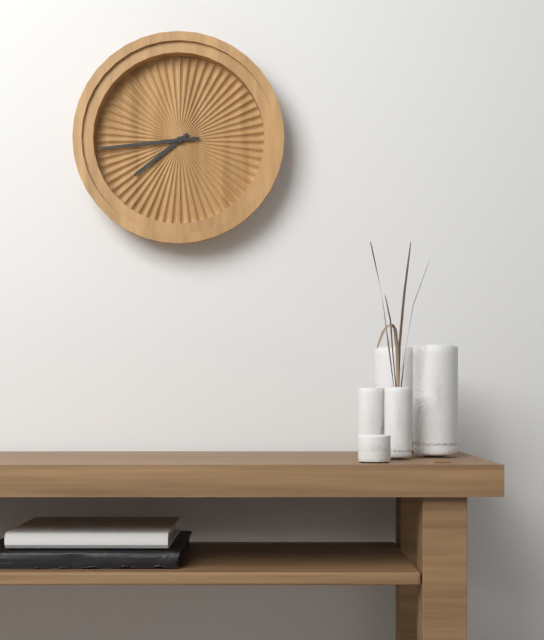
{"hour": 7, "minute": 44}
